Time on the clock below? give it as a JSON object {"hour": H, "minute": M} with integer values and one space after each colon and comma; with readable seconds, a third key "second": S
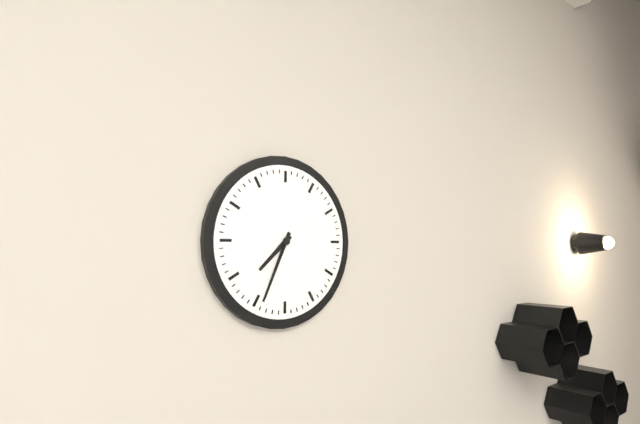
{"hour": 7, "minute": 34}
